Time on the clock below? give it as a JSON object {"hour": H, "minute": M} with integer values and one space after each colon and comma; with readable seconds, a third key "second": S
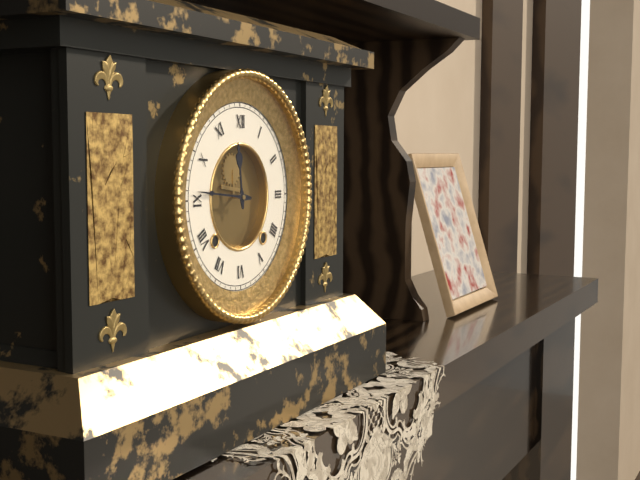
{"hour": 11, "minute": 46}
